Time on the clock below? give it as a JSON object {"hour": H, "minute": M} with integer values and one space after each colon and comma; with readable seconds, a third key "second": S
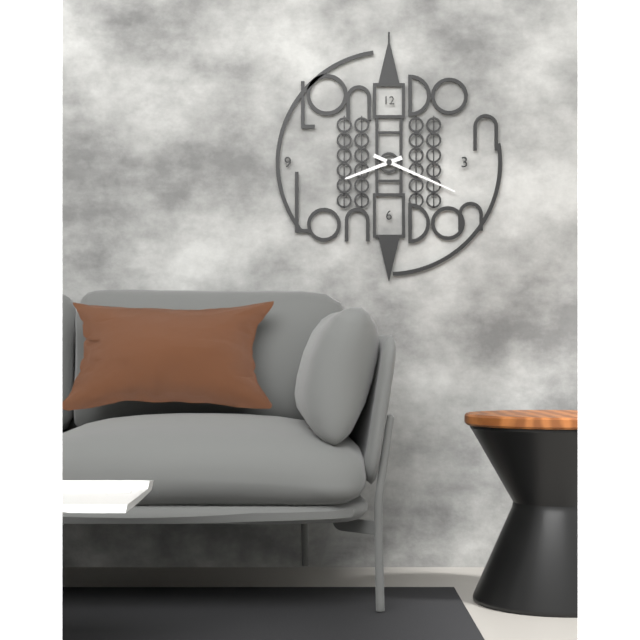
{"hour": 8, "minute": 19}
